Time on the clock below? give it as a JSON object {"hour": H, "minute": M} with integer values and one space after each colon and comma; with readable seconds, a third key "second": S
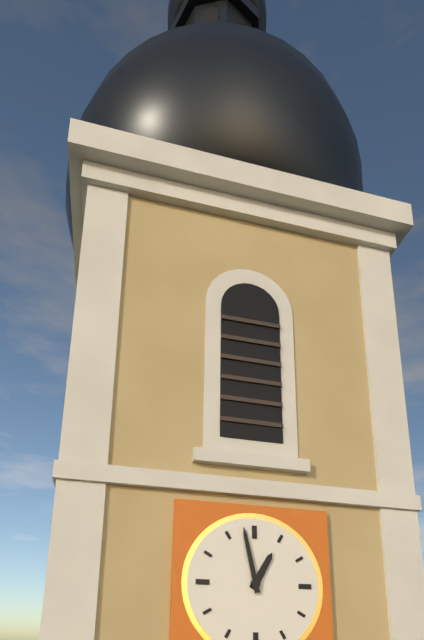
{"hour": 12, "minute": 58}
